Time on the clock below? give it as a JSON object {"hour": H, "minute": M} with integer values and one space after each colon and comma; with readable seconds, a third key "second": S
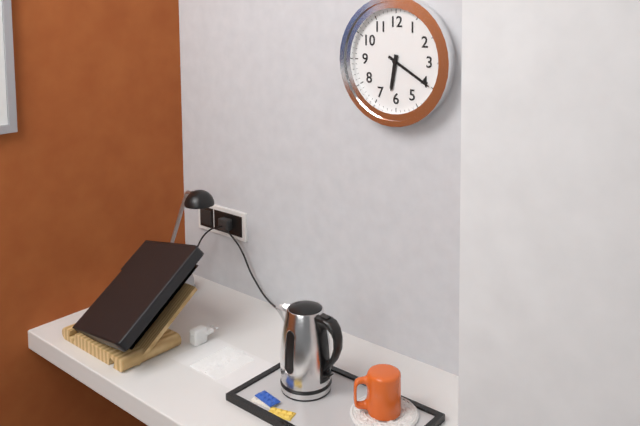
{"hour": 6, "minute": 20}
